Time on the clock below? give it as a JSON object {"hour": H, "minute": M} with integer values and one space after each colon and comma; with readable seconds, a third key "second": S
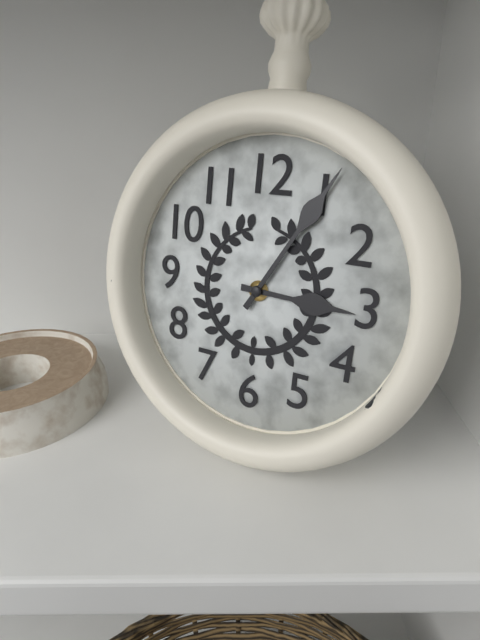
{"hour": 3, "minute": 5}
